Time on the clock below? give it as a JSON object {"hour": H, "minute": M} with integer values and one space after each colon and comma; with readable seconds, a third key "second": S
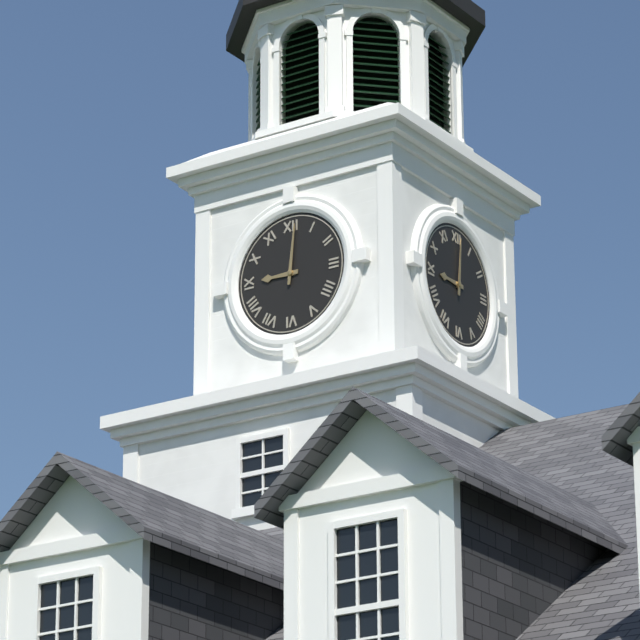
{"hour": 9, "minute": 1}
